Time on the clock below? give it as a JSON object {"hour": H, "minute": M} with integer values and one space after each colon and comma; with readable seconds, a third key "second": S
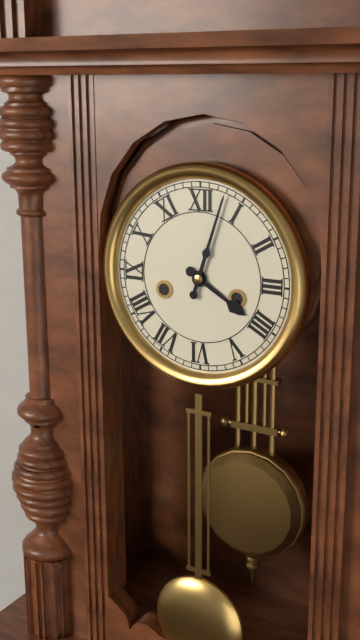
{"hour": 4, "minute": 3}
